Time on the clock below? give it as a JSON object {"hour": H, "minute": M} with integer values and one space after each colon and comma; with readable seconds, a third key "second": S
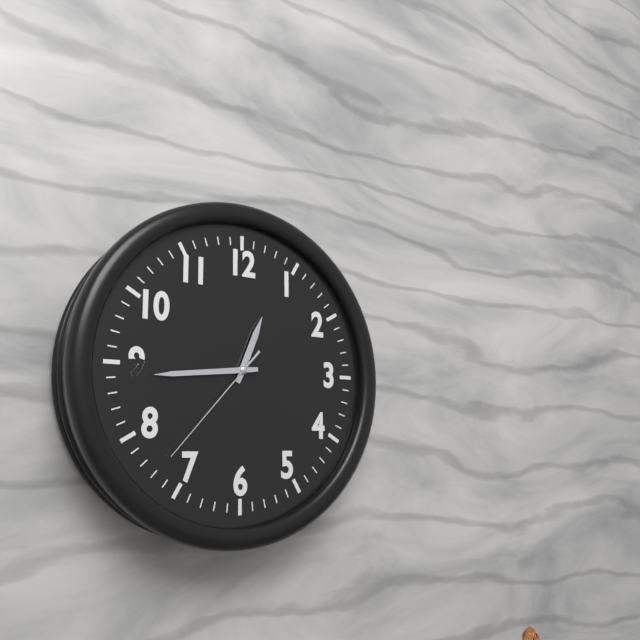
{"hour": 12, "minute": 44, "second": 37}
